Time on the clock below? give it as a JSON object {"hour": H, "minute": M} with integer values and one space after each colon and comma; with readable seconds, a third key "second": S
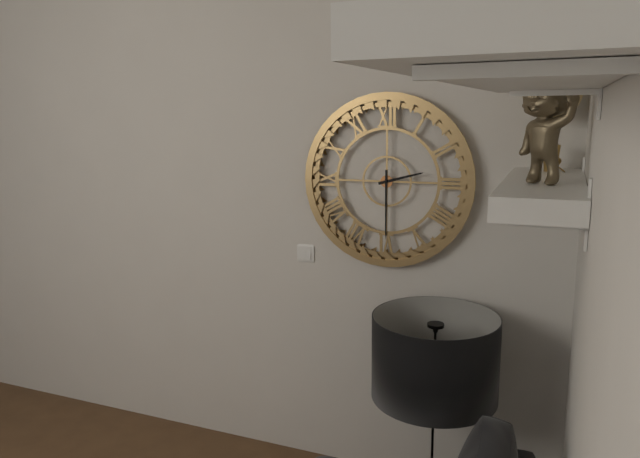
{"hour": 2, "minute": 30}
